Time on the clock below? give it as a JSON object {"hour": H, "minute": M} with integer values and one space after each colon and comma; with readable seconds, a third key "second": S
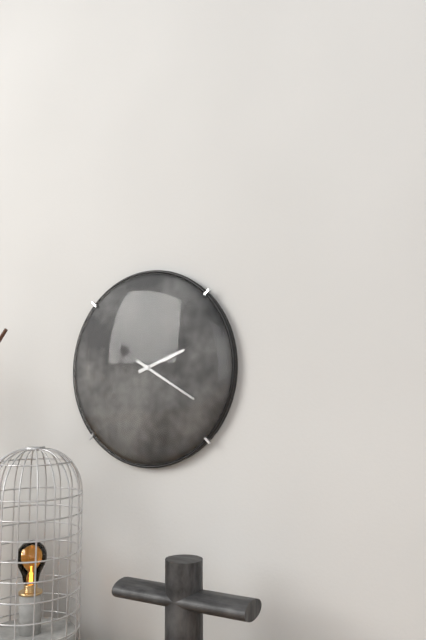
{"hour": 2, "minute": 20}
